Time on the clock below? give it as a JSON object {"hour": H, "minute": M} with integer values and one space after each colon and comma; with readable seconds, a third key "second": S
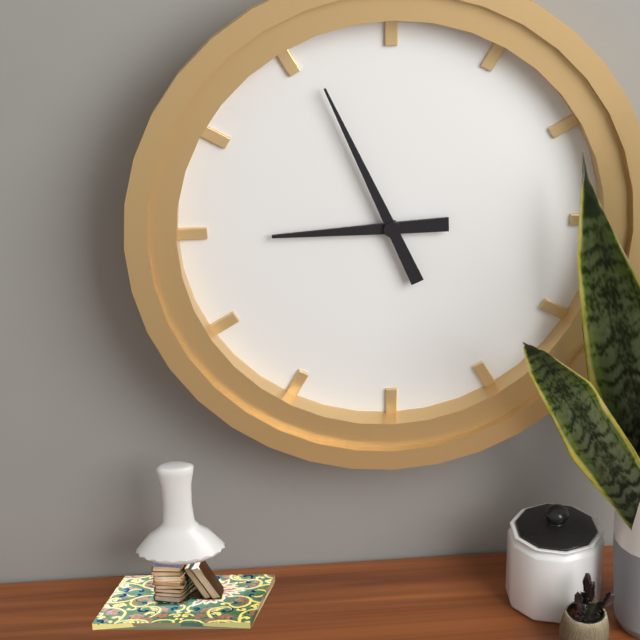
{"hour": 8, "minute": 56}
